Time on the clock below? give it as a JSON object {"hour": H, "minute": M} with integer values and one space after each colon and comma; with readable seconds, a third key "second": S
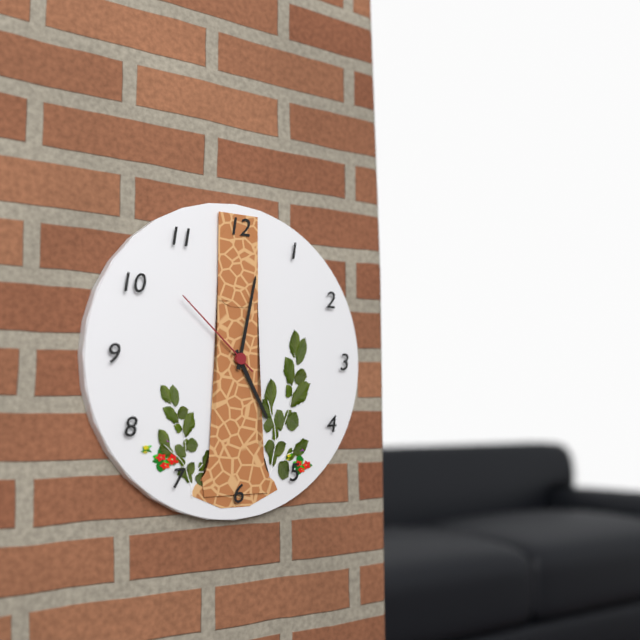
{"hour": 5, "minute": 2, "second": 52}
